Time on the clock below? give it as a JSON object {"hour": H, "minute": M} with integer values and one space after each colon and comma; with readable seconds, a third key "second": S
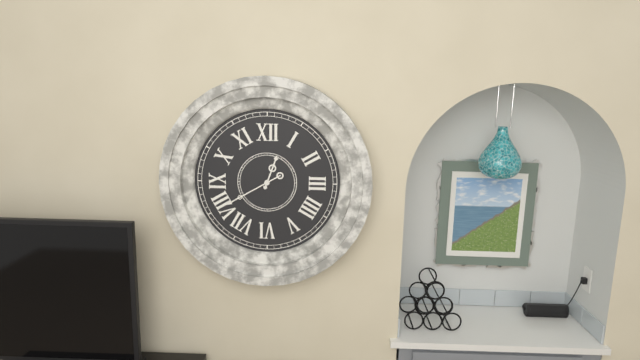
{"hour": 12, "minute": 40}
